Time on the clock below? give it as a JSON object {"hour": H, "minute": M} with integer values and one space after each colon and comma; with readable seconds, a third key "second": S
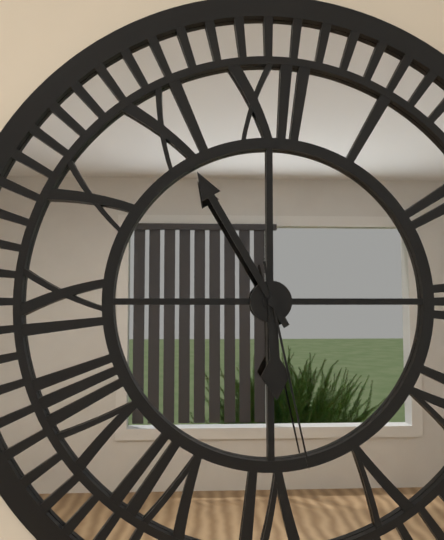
{"hour": 5, "minute": 55, "second": 28}
